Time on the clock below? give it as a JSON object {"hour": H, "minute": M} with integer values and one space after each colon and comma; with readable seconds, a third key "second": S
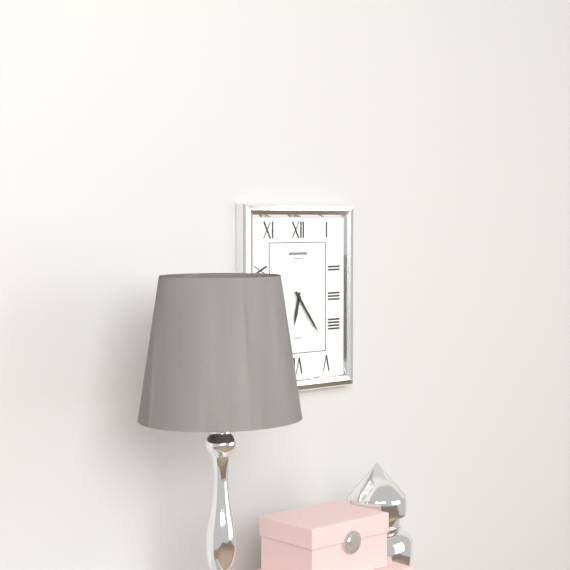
{"hour": 6, "minute": 24}
